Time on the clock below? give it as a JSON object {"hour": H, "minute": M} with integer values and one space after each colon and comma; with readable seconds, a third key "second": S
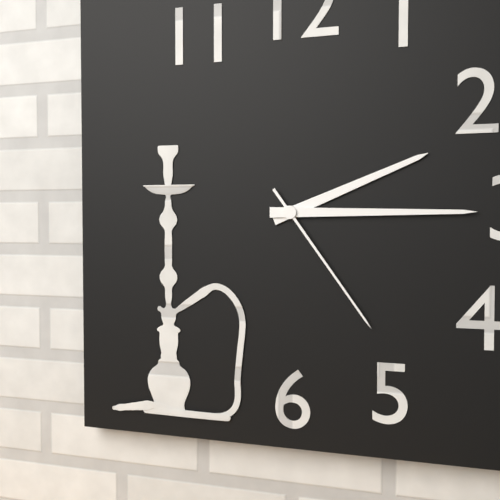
{"hour": 2, "minute": 15, "second": 24}
